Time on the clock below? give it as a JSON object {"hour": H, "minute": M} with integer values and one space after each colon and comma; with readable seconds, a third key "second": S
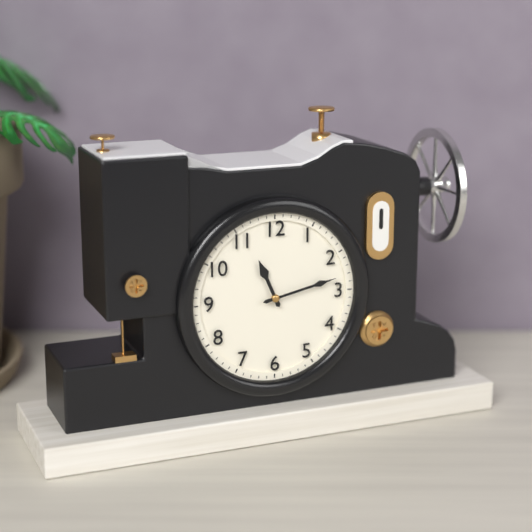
{"hour": 11, "minute": 13}
